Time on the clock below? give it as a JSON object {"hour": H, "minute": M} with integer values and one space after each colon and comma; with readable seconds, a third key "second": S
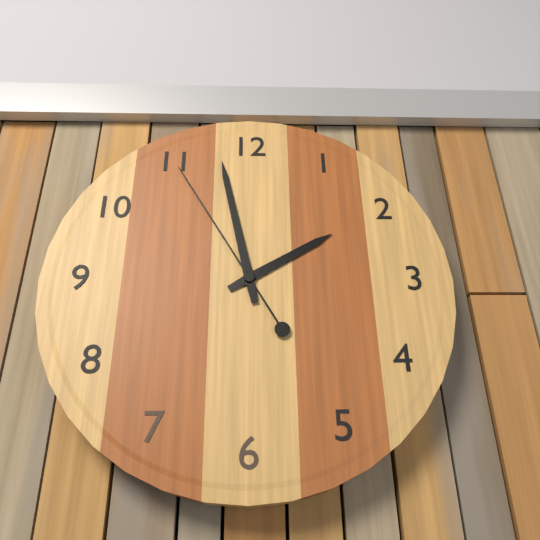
{"hour": 1, "minute": 58, "second": 55}
